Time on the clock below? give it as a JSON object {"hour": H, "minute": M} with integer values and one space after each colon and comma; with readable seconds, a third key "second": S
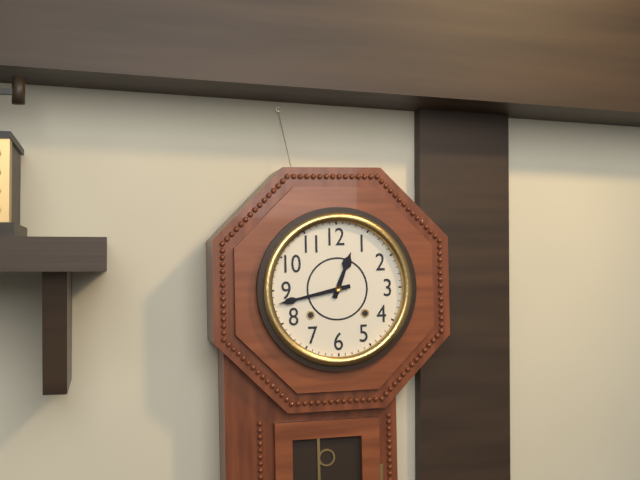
{"hour": 12, "minute": 43}
